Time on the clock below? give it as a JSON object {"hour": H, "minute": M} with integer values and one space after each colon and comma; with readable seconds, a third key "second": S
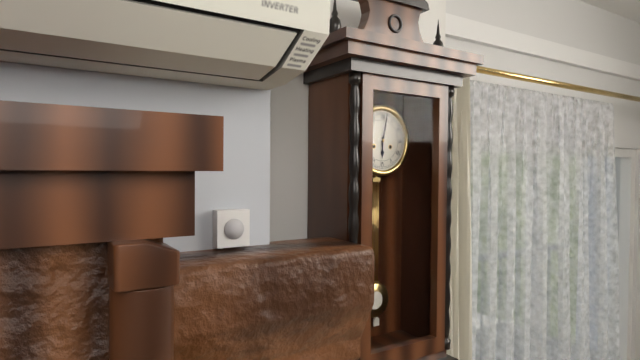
{"hour": 6, "minute": 2}
